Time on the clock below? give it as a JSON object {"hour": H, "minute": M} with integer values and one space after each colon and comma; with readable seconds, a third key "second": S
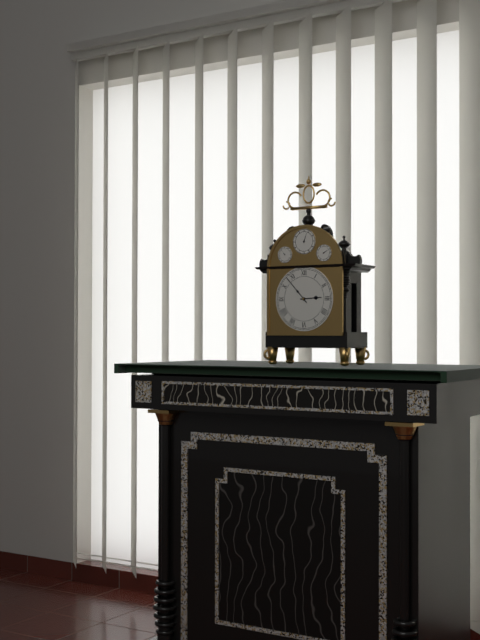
{"hour": 2, "minute": 53}
